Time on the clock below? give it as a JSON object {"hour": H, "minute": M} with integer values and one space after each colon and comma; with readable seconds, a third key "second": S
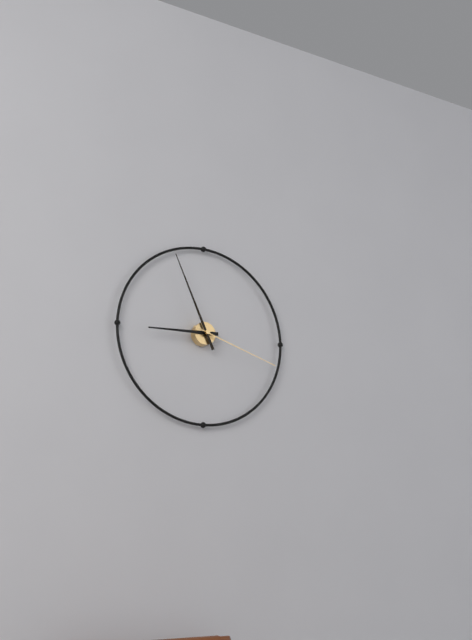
{"hour": 8, "minute": 56, "second": 18}
